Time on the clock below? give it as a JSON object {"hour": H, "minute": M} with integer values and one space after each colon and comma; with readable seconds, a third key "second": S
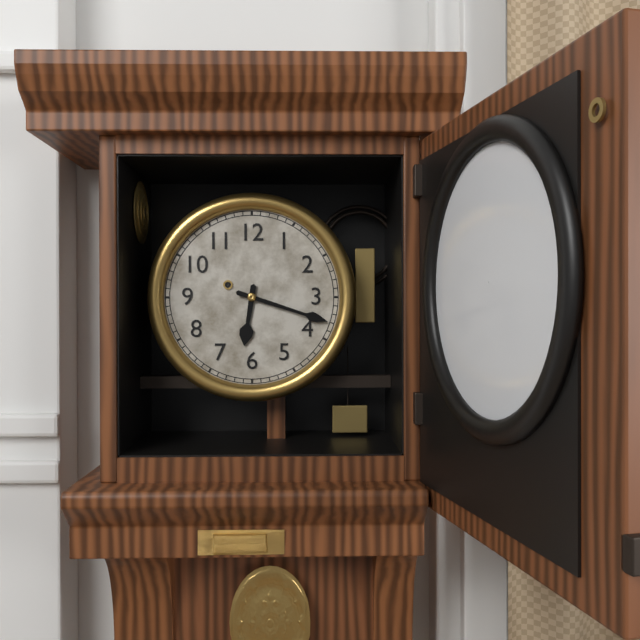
{"hour": 6, "minute": 18}
